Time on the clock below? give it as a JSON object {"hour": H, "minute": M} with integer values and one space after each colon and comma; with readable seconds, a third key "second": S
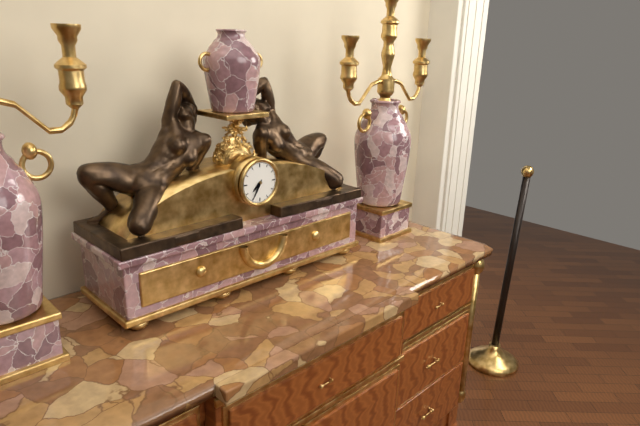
{"hour": 7, "minute": 35}
